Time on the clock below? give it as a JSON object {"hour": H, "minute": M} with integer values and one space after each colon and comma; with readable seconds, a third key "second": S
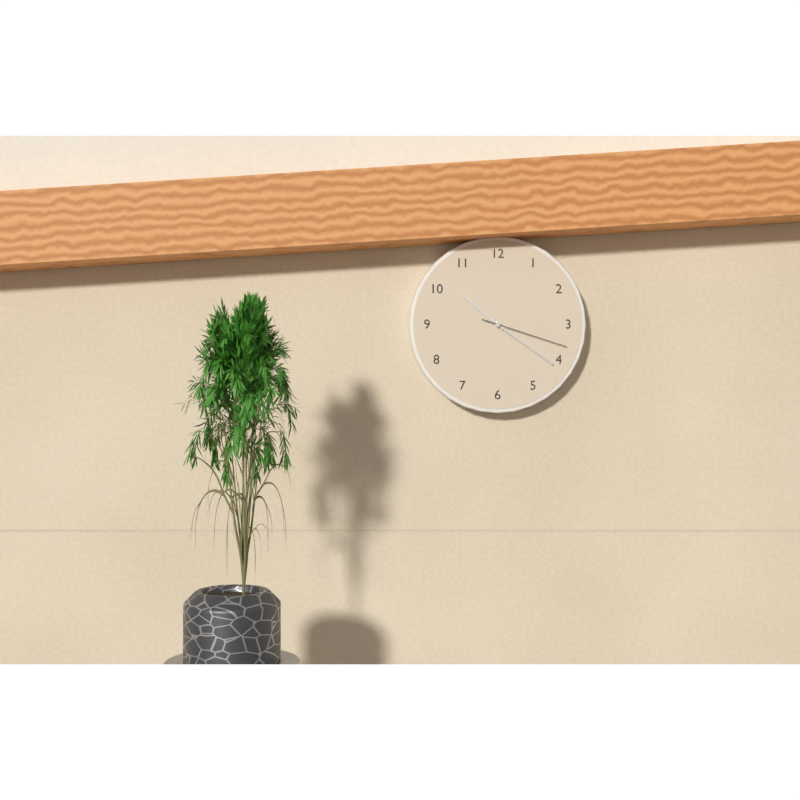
{"hour": 10, "minute": 21, "second": 18}
